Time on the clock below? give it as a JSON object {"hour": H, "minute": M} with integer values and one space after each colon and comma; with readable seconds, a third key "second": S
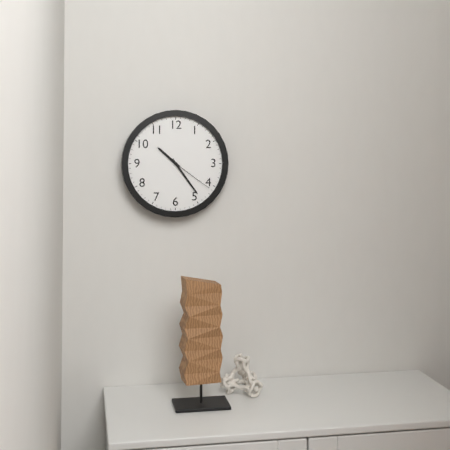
{"hour": 10, "minute": 24, "second": 21}
